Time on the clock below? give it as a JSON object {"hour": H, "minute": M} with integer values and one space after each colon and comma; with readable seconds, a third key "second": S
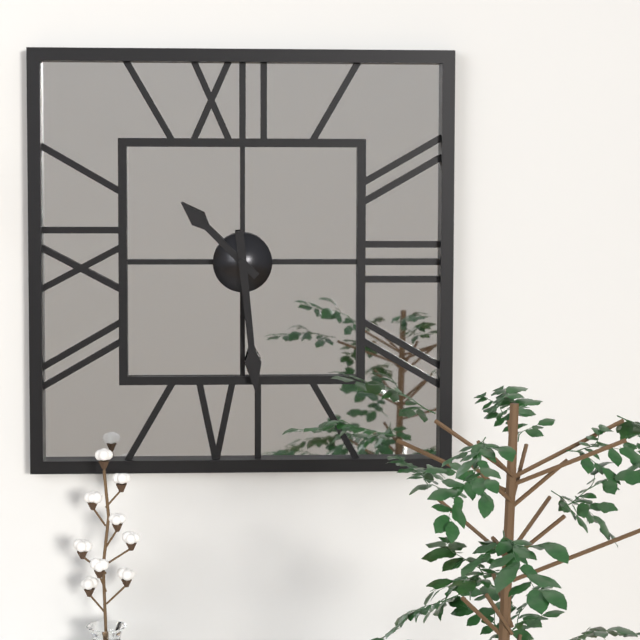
{"hour": 10, "minute": 29}
